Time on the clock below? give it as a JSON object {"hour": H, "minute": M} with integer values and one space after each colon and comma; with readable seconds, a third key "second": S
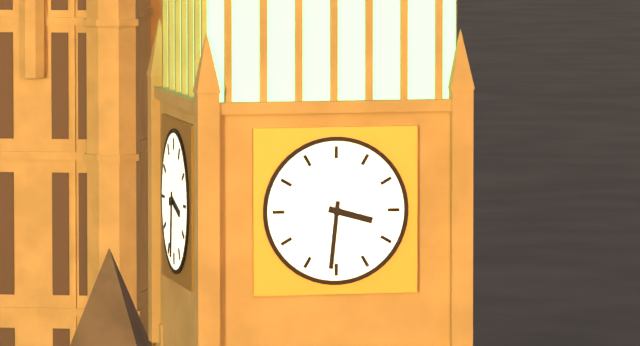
{"hour": 3, "minute": 31}
